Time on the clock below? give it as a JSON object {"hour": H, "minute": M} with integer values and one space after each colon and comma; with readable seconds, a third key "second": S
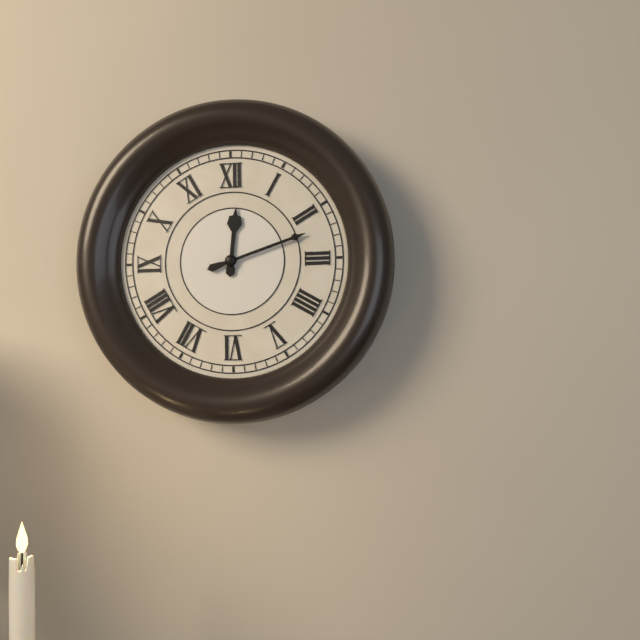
{"hour": 12, "minute": 12}
